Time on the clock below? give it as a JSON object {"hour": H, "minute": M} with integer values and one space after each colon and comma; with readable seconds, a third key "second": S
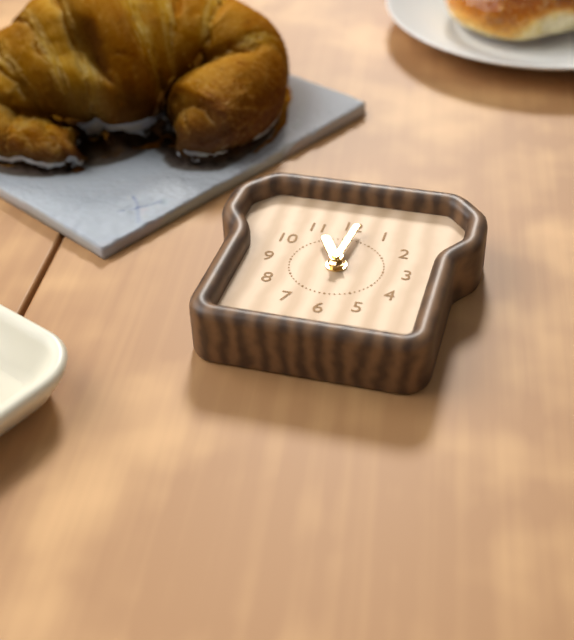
{"hour": 11, "minute": 1}
